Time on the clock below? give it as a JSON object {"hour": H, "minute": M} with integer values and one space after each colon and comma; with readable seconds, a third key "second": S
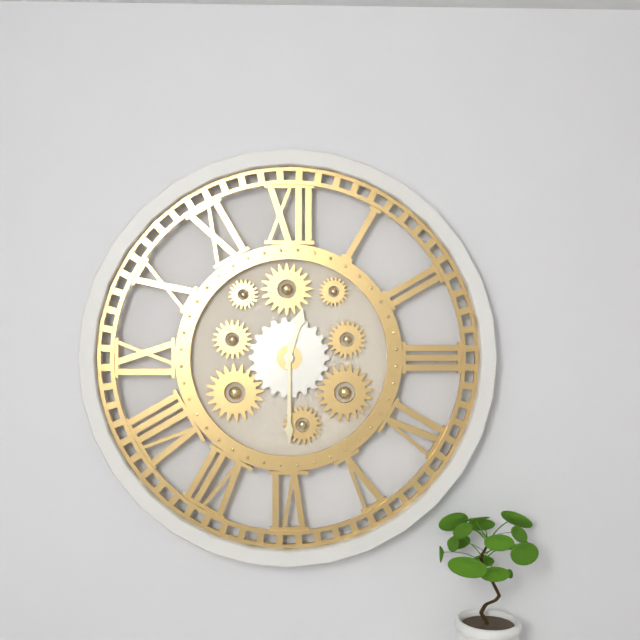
{"hour": 12, "minute": 30}
